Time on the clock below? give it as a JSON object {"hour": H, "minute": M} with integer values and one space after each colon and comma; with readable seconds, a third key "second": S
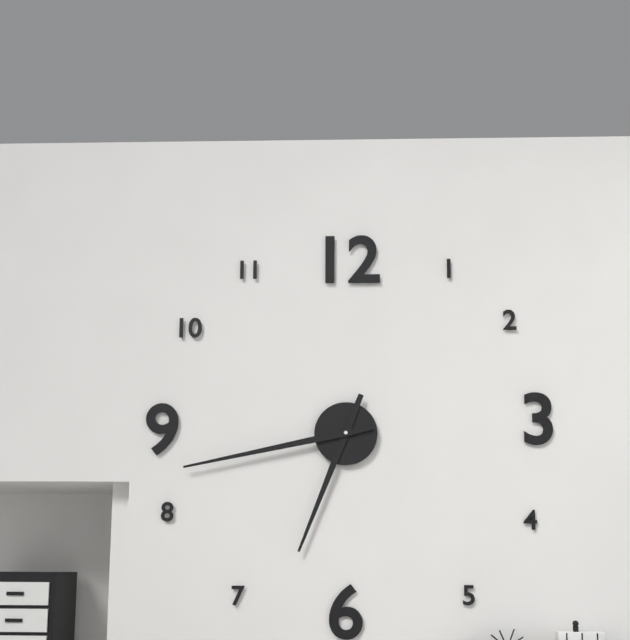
{"hour": 6, "minute": 43}
